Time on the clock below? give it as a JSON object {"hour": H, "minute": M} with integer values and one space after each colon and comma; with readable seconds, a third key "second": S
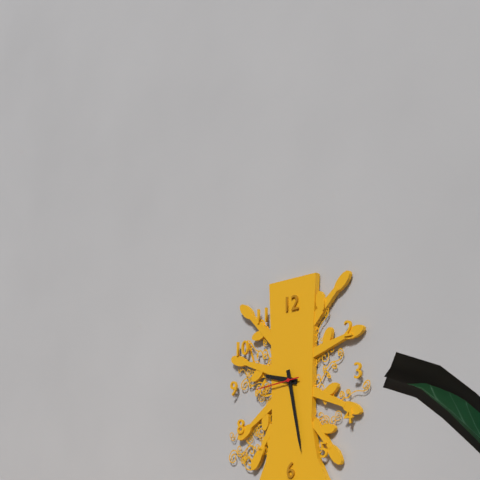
{"hour": 9, "minute": 28}
